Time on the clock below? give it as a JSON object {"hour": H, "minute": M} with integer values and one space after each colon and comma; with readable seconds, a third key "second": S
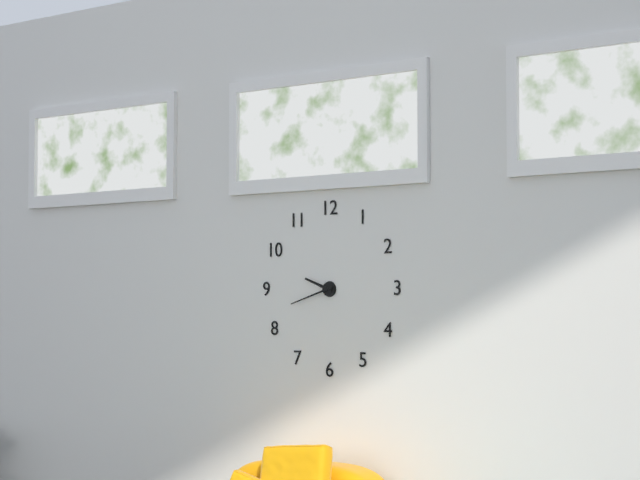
{"hour": 9, "minute": 42}
